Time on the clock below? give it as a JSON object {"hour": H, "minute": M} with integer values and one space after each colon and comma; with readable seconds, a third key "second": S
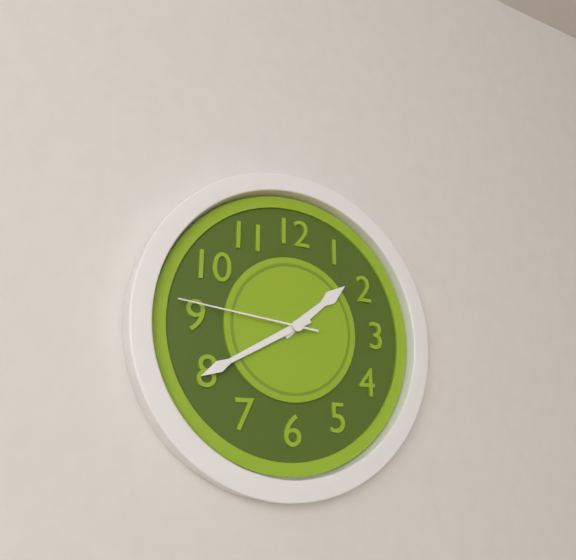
{"hour": 1, "minute": 40, "second": 46}
